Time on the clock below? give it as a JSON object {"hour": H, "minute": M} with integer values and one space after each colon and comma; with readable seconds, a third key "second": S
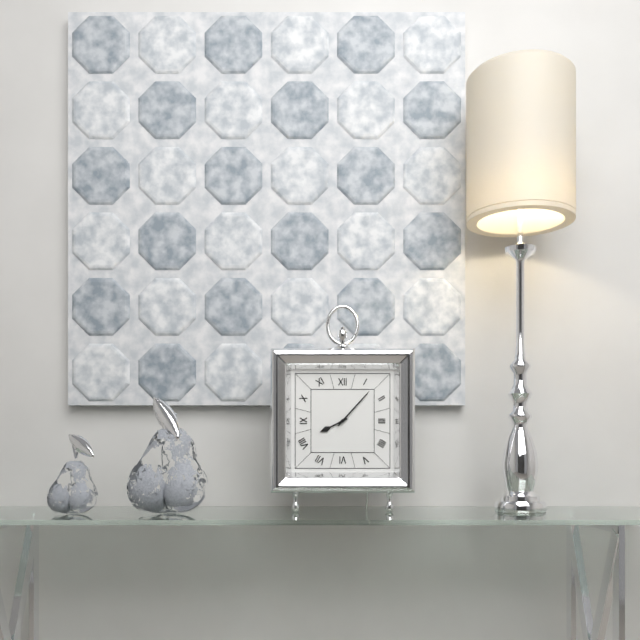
{"hour": 8, "minute": 7}
